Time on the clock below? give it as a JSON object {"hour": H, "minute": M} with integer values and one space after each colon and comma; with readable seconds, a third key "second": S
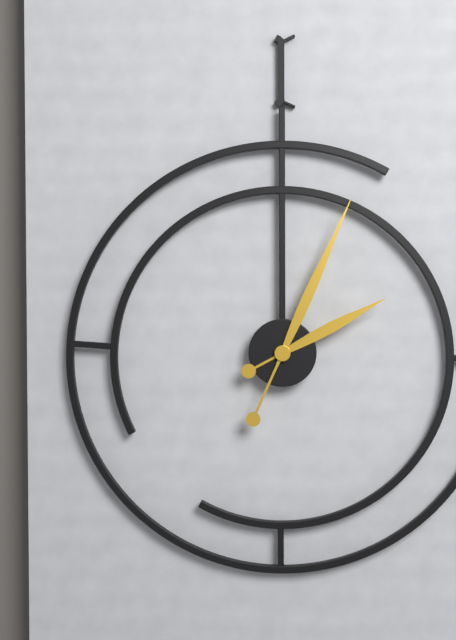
{"hour": 2, "minute": 4}
